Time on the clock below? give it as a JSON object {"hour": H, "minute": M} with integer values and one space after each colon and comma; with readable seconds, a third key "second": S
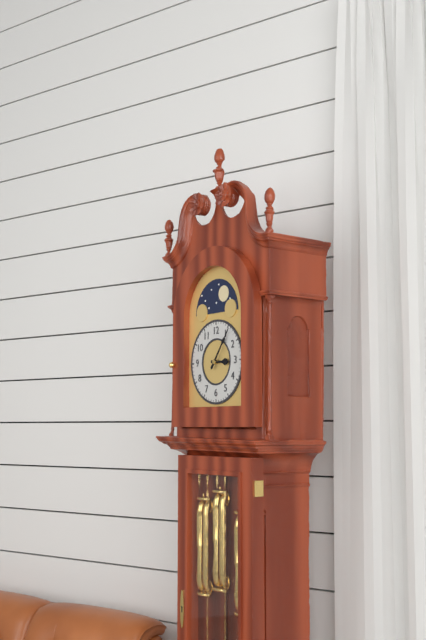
{"hour": 3, "minute": 6}
